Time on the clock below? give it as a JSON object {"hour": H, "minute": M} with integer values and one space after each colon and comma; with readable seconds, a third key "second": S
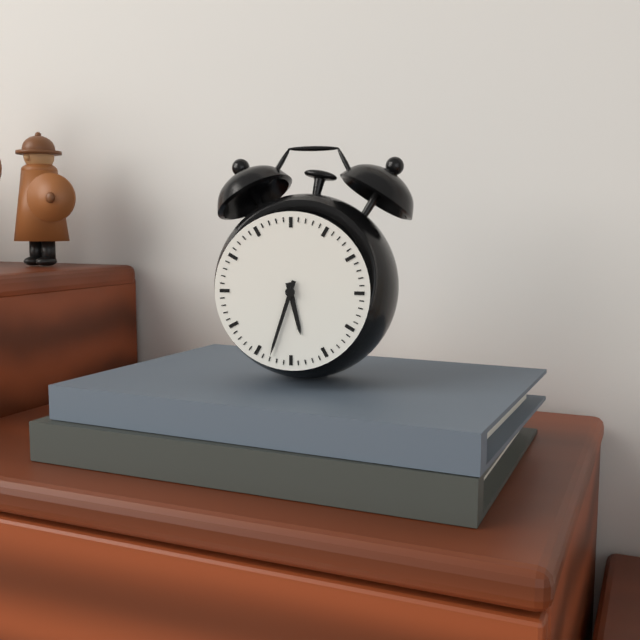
{"hour": 5, "minute": 33}
